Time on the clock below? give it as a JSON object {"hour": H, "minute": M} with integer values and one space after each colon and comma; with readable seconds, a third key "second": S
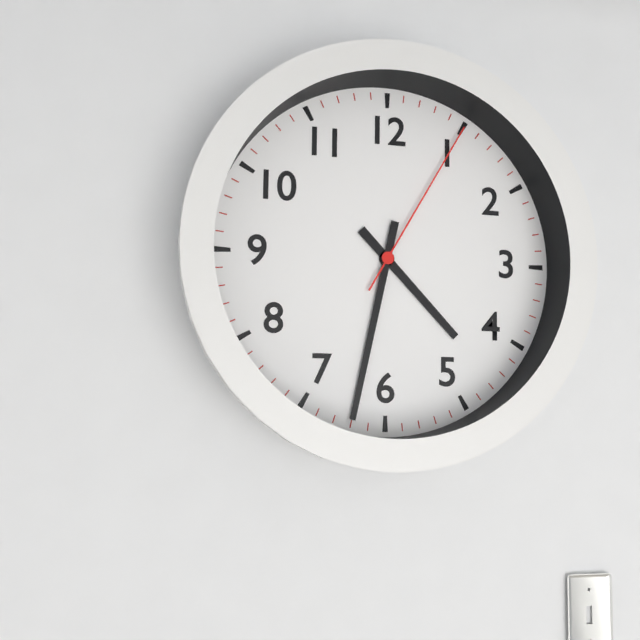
{"hour": 4, "minute": 32, "second": 5}
